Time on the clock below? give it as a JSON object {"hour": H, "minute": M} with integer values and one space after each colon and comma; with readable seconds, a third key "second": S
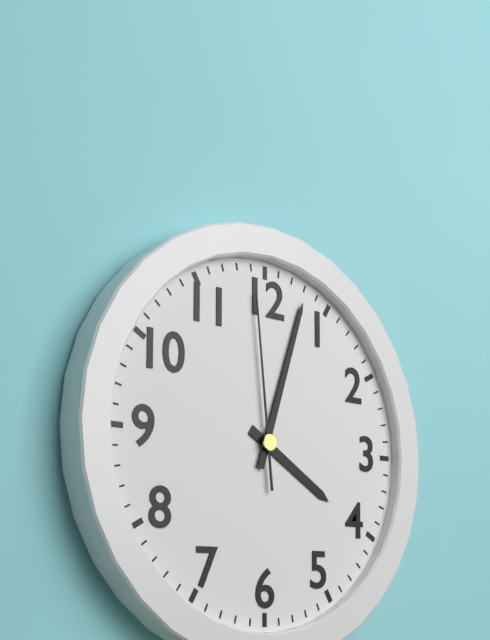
{"hour": 4, "minute": 3, "second": 59}
